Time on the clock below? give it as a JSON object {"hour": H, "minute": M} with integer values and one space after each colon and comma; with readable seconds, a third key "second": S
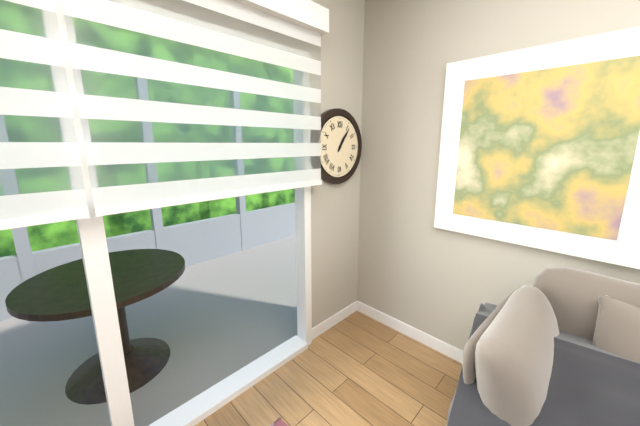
{"hour": 1, "minute": 6}
